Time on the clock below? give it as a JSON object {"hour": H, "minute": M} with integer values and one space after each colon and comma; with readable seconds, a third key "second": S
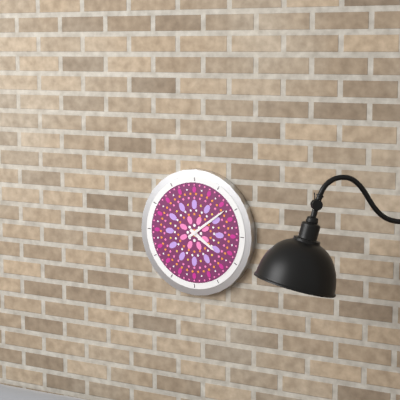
{"hour": 4, "minute": 9}
